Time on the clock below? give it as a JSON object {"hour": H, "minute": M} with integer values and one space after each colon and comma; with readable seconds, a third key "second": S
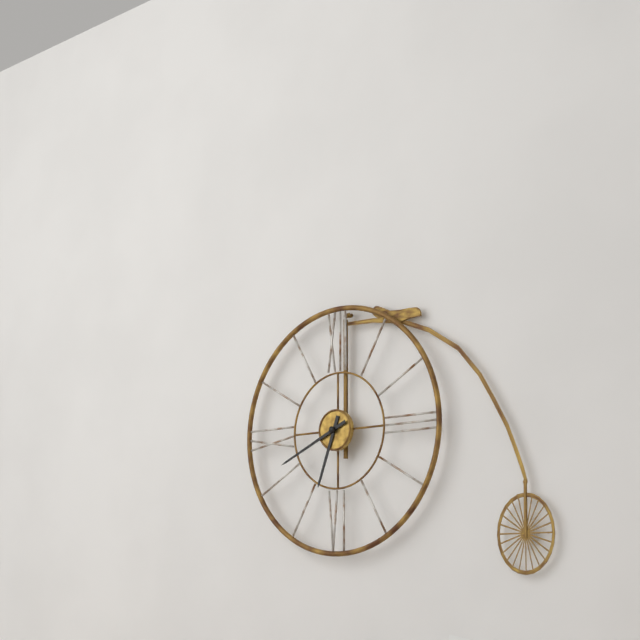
{"hour": 6, "minute": 41}
